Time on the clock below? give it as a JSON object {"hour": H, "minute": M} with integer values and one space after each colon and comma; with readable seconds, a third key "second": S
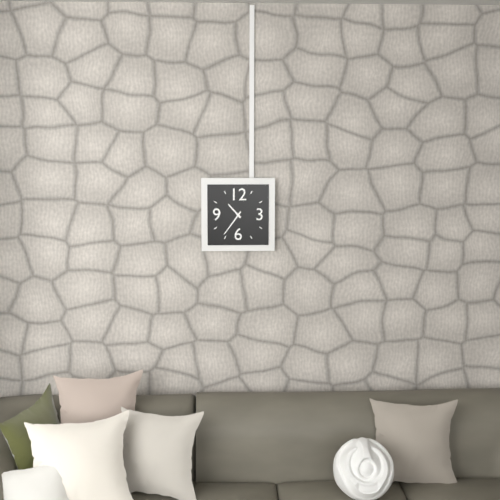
{"hour": 10, "minute": 36}
